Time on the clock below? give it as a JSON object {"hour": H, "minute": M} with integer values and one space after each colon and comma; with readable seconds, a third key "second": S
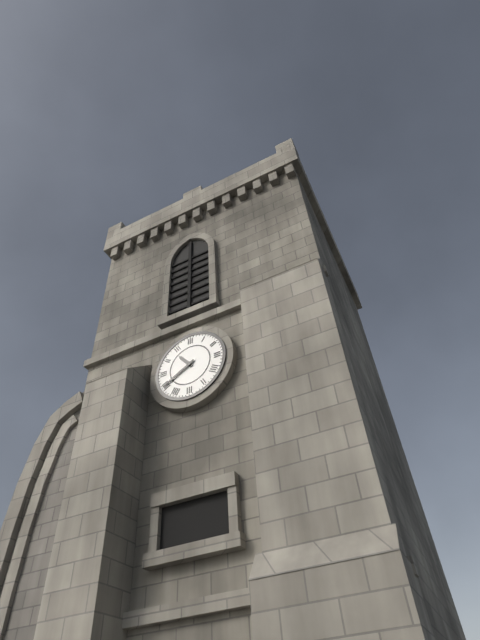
{"hour": 10, "minute": 40}
